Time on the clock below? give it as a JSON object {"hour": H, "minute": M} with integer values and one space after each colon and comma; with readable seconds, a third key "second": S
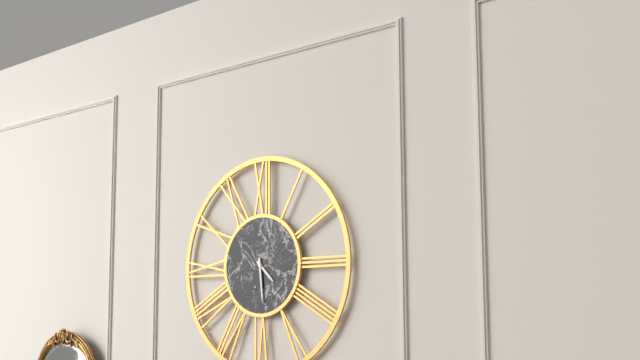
{"hour": 4, "minute": 29}
